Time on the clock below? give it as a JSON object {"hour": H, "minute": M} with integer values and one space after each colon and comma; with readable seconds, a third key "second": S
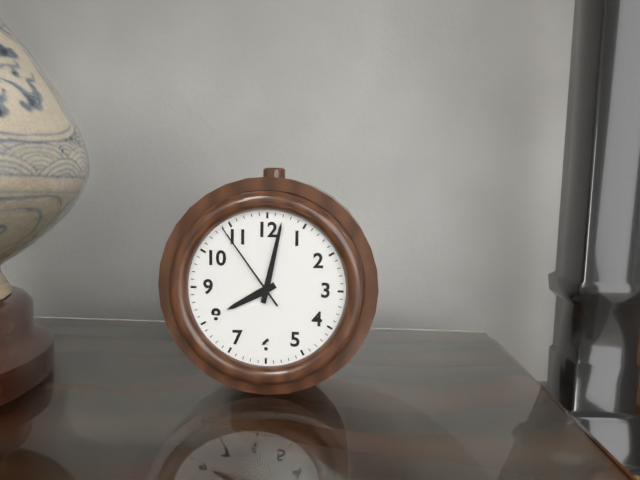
{"hour": 8, "minute": 2, "second": 54}
